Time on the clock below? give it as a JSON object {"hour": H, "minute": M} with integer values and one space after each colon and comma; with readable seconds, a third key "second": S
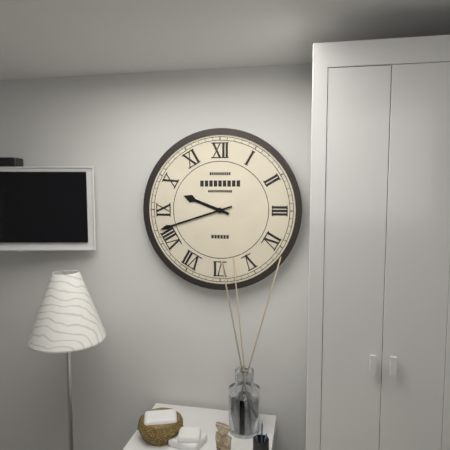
{"hour": 9, "minute": 42}
